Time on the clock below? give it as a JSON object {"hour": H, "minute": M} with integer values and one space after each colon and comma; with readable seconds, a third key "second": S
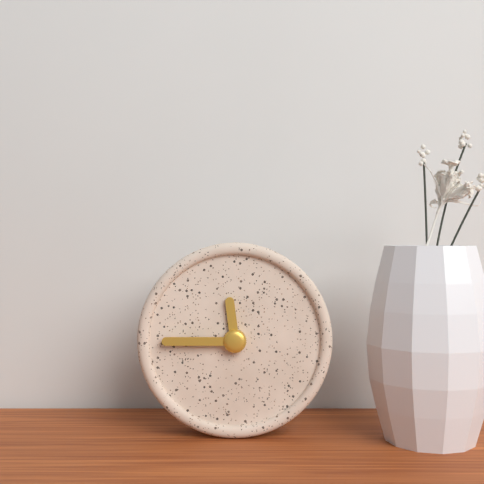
{"hour": 11, "minute": 45}
